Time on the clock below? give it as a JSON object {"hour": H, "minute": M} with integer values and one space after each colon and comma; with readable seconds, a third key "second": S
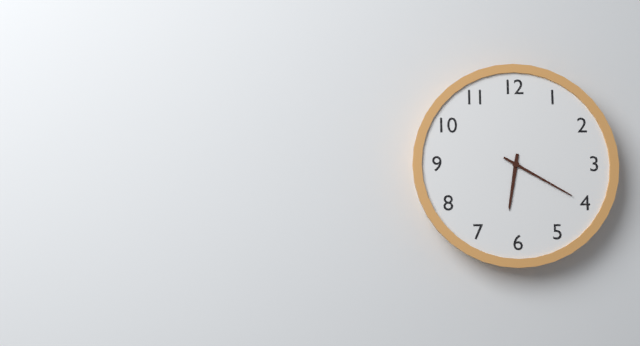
{"hour": 6, "minute": 20}
